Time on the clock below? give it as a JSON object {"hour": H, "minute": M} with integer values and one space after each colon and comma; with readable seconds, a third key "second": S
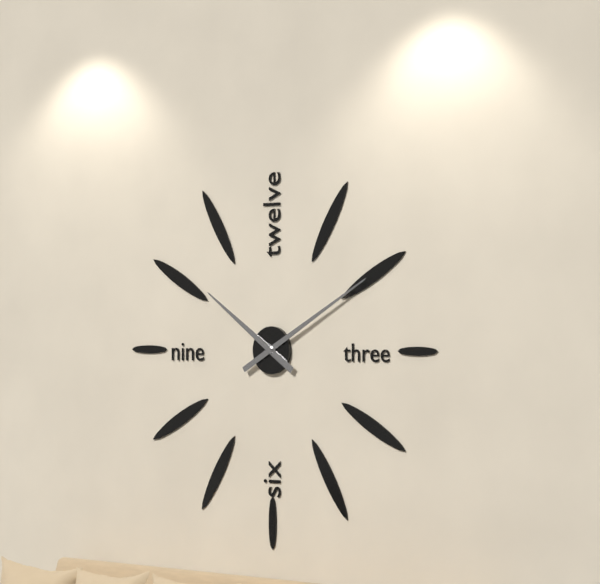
{"hour": 10, "minute": 10}
